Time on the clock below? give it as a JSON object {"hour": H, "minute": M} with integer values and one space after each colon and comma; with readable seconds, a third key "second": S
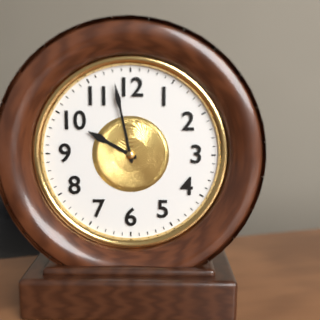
{"hour": 9, "minute": 58}
